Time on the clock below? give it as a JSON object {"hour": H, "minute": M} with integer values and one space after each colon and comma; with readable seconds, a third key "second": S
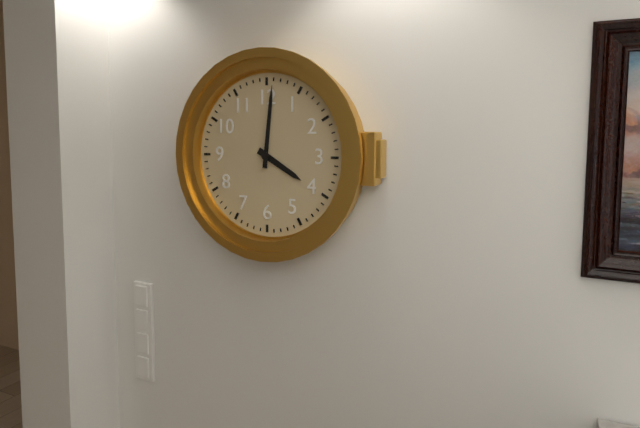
{"hour": 4, "minute": 1}
